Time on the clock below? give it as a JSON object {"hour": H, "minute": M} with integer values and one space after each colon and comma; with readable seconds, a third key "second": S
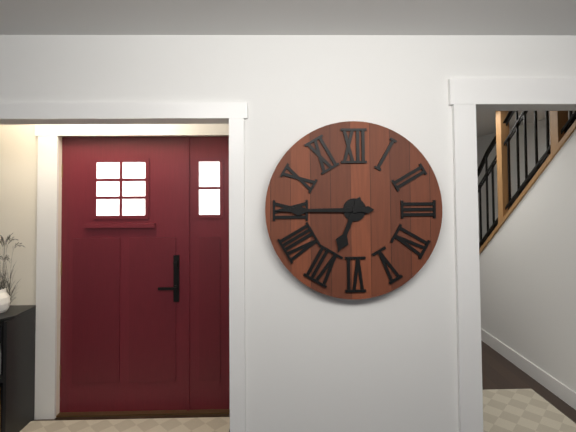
{"hour": 6, "minute": 45}
